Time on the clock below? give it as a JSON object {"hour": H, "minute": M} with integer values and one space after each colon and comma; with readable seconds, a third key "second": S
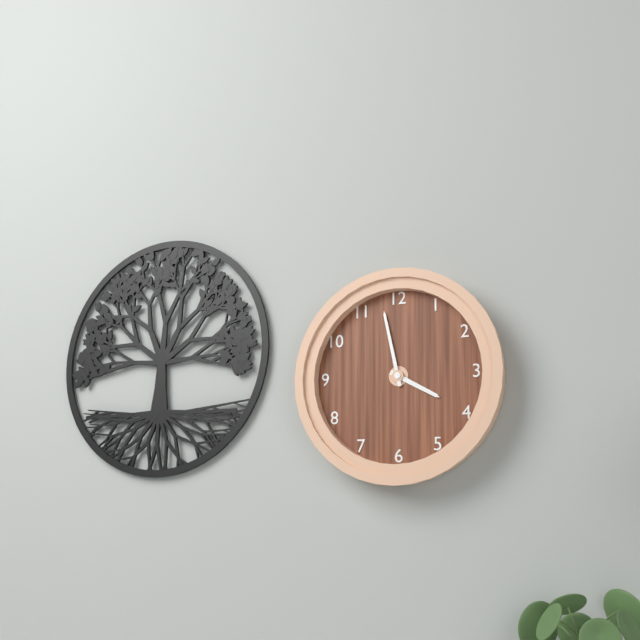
{"hour": 3, "minute": 58}
